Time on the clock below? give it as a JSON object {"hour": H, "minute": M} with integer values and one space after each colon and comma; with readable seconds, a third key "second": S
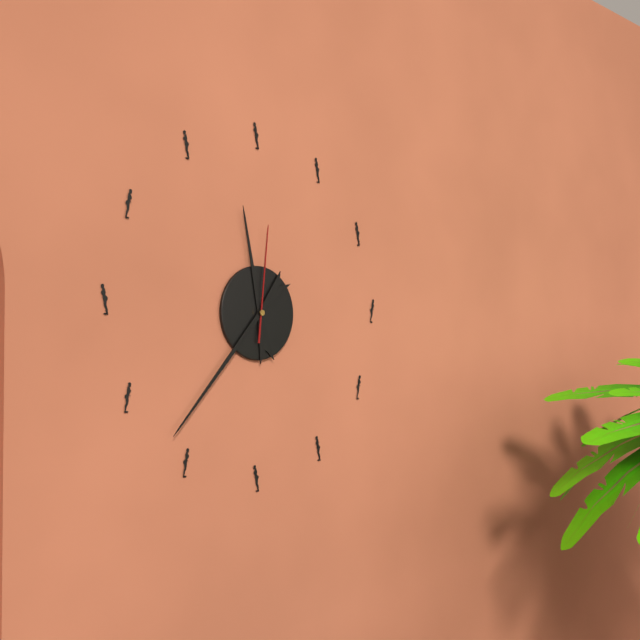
{"hour": 11, "minute": 37, "second": 1}
